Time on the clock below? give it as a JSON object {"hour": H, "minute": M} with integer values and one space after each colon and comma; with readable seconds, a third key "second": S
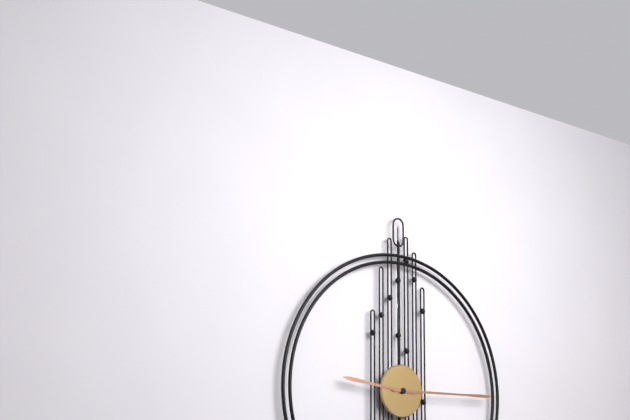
{"hour": 9, "minute": 15}
